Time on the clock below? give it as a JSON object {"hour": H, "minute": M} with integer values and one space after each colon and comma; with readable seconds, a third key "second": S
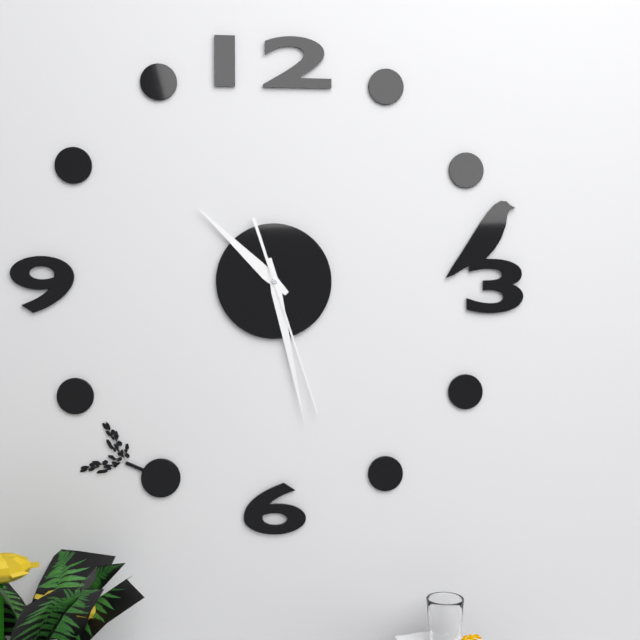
{"hour": 10, "minute": 28, "second": 27}
